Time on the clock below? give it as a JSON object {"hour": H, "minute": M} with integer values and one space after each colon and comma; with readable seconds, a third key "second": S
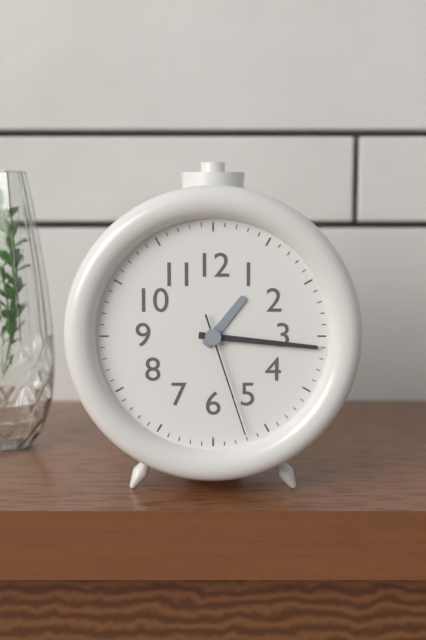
{"hour": 1, "minute": 16, "second": 27}
